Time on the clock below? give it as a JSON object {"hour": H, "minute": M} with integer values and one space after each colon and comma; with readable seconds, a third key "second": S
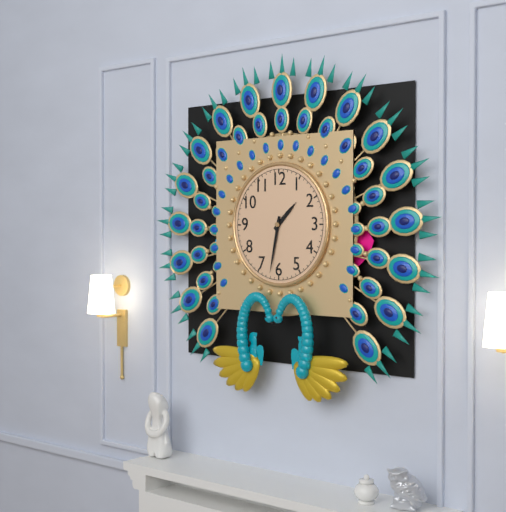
{"hour": 1, "minute": 32}
